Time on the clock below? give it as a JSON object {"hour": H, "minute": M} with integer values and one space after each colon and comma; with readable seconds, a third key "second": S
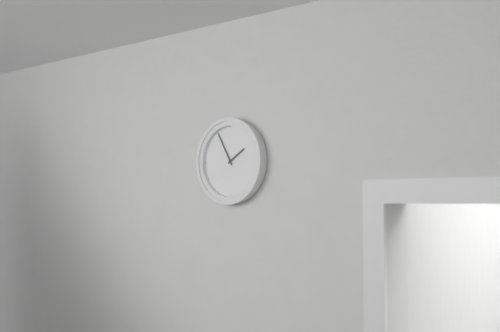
{"hour": 1, "minute": 55}
